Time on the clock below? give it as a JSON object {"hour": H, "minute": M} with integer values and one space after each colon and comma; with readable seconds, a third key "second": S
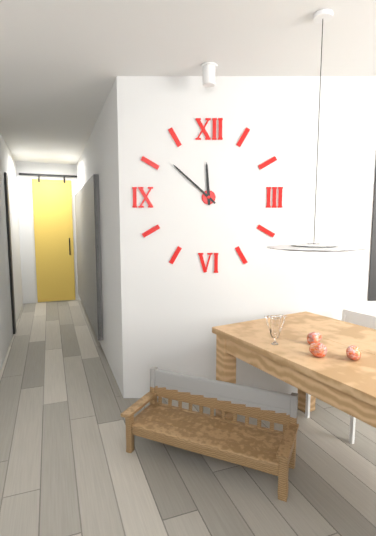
{"hour": 11, "minute": 52}
